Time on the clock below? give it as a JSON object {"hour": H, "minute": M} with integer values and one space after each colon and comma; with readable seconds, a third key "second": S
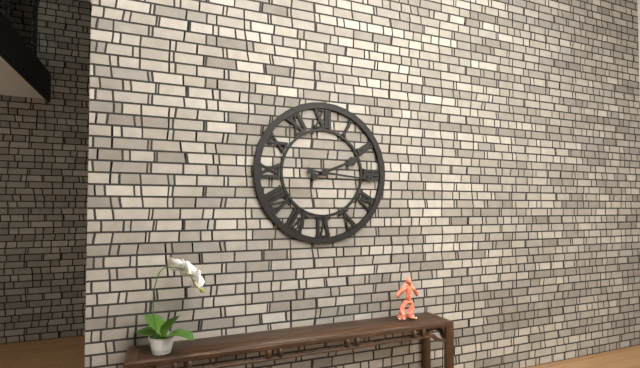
{"hour": 2, "minute": 16}
